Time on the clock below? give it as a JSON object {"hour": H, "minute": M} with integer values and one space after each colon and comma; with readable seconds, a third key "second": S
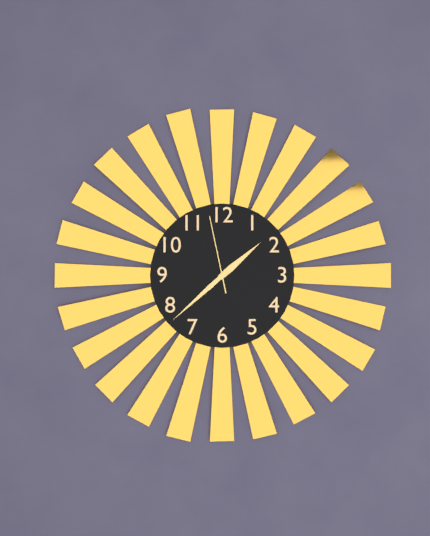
{"hour": 1, "minute": 38, "second": 58}
